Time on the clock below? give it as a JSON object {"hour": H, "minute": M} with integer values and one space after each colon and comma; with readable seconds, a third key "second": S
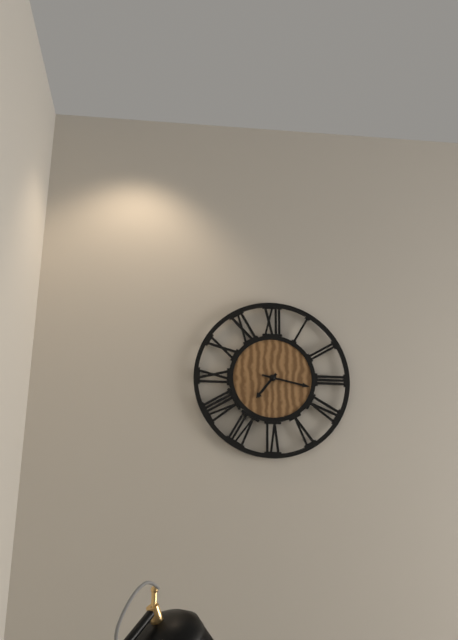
{"hour": 7, "minute": 17}
